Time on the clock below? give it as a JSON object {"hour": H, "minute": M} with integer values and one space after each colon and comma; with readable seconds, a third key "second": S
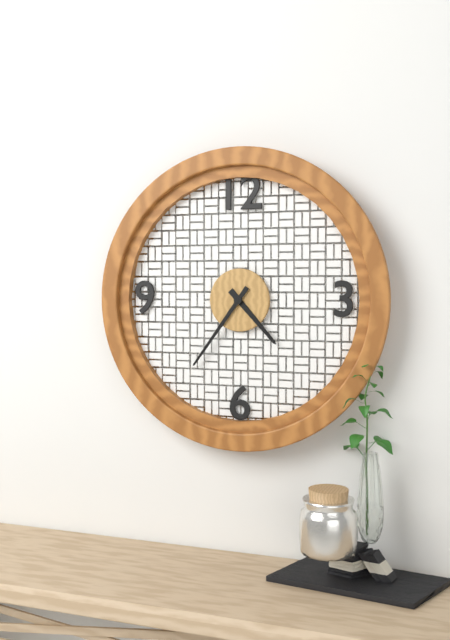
{"hour": 4, "minute": 36}
